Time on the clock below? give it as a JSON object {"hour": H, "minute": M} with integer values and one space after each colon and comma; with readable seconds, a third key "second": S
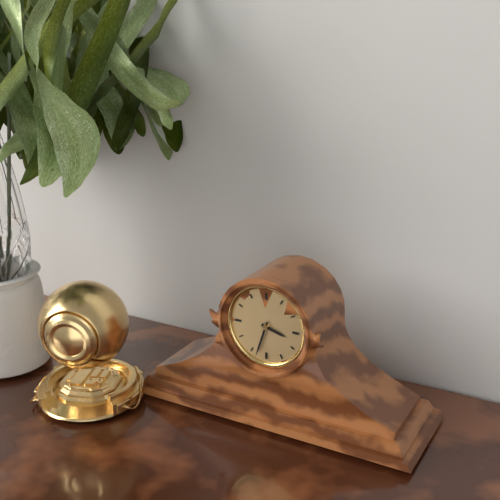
{"hour": 3, "minute": 33}
